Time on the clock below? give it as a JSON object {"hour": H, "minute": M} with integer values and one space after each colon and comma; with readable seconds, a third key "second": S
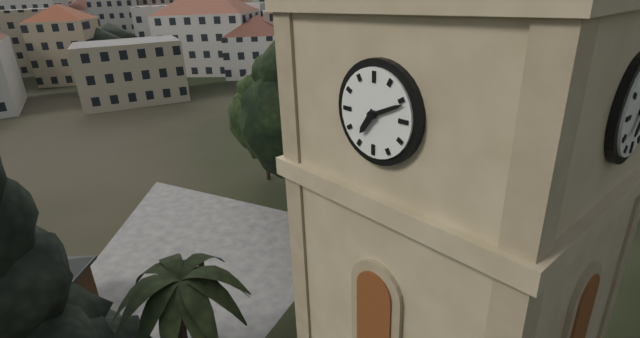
{"hour": 7, "minute": 11}
